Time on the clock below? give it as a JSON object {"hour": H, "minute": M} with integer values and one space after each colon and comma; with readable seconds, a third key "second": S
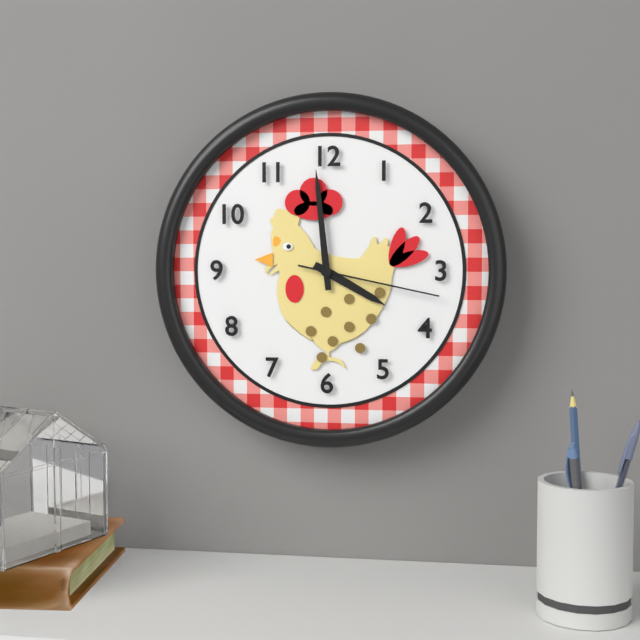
{"hour": 3, "minute": 59, "second": 17}
